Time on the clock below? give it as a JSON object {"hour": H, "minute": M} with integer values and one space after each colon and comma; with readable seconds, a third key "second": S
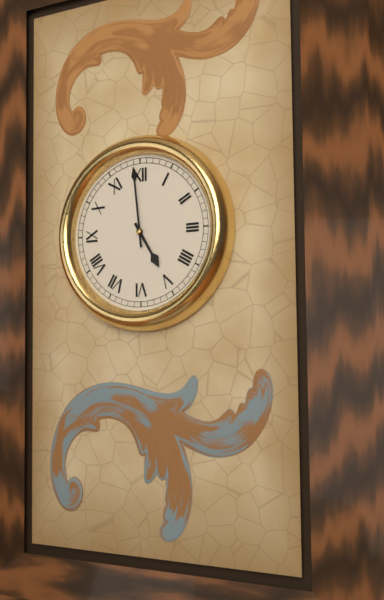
{"hour": 4, "minute": 59}
